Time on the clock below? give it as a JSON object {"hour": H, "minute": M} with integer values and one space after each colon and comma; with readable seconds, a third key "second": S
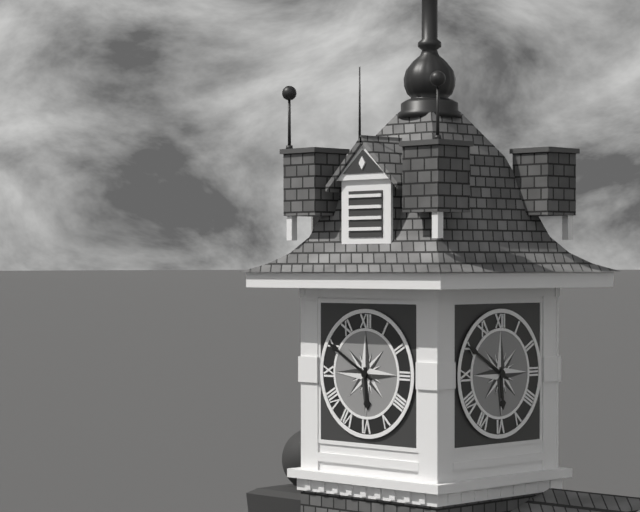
{"hour": 5, "minute": 50}
